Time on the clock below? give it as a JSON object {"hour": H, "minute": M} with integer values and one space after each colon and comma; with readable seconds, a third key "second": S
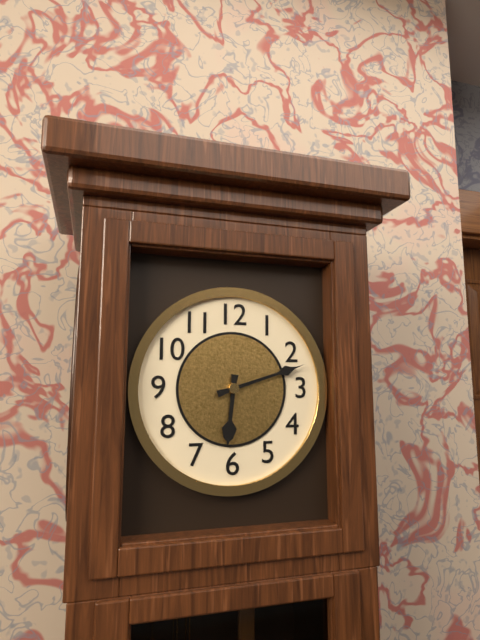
{"hour": 6, "minute": 12}
